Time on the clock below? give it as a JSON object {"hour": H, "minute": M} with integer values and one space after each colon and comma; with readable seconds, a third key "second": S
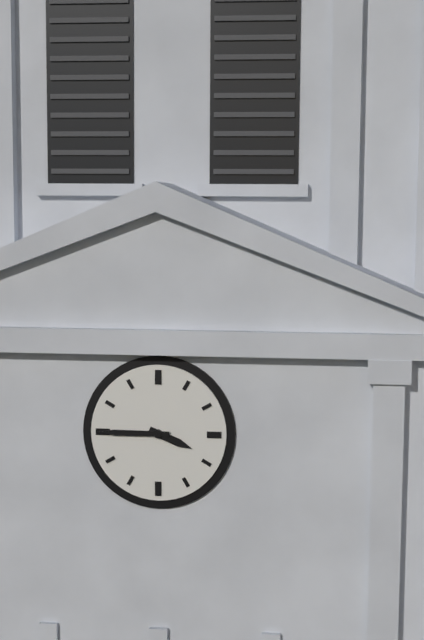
{"hour": 3, "minute": 45}
